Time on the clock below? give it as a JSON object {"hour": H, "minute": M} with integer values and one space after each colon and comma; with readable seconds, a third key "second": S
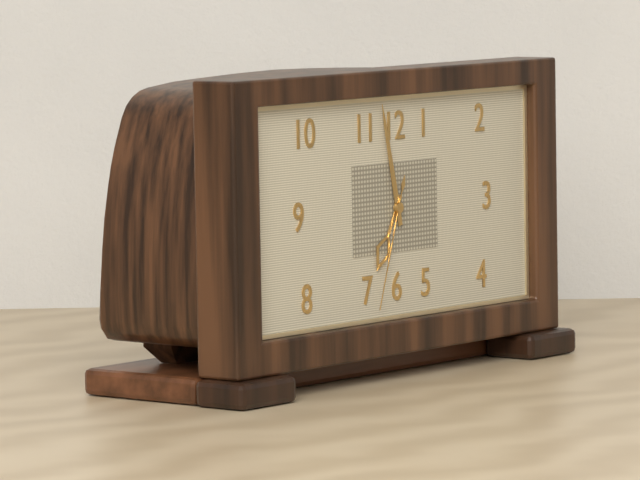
{"hour": 6, "minute": 58, "second": 33}
